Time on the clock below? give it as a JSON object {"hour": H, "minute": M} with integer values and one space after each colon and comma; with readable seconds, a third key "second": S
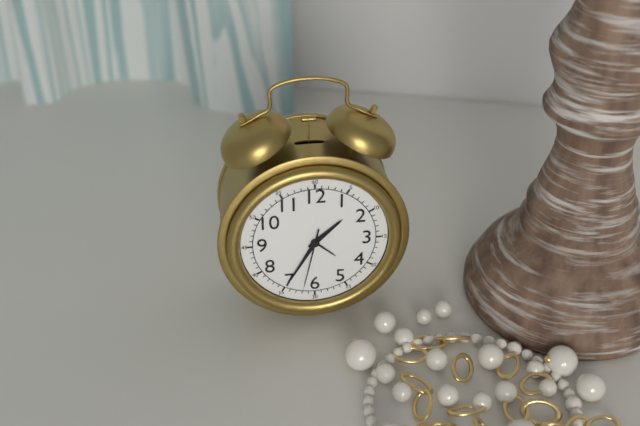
{"hour": 1, "minute": 35, "second": 32}
